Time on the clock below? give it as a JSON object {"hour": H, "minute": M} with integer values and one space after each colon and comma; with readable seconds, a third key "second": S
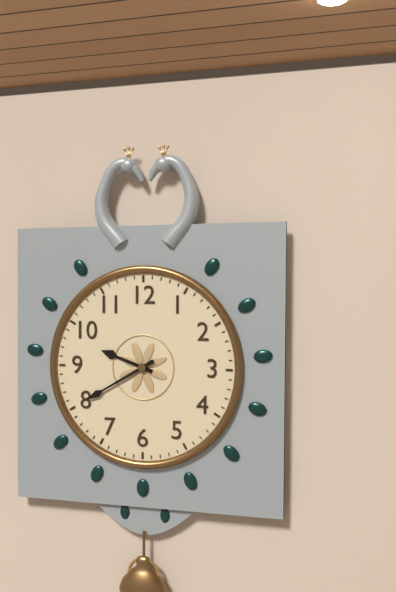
{"hour": 9, "minute": 40}
